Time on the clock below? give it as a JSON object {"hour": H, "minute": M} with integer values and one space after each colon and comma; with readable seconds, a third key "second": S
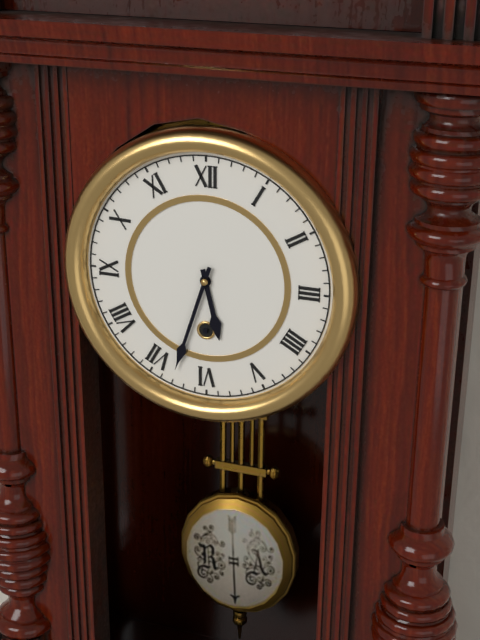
{"hour": 5, "minute": 33}
